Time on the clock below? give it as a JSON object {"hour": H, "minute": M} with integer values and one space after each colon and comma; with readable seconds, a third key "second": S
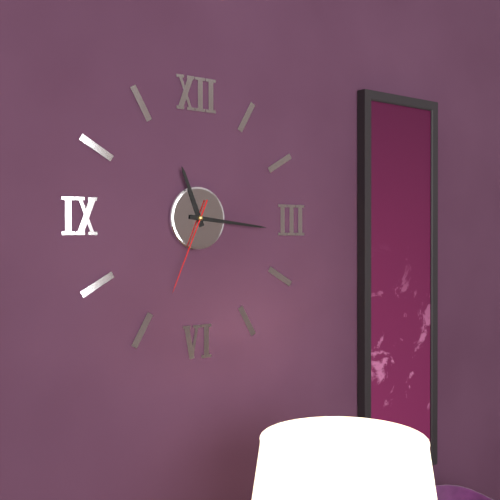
{"hour": 11, "minute": 16, "second": 34}
